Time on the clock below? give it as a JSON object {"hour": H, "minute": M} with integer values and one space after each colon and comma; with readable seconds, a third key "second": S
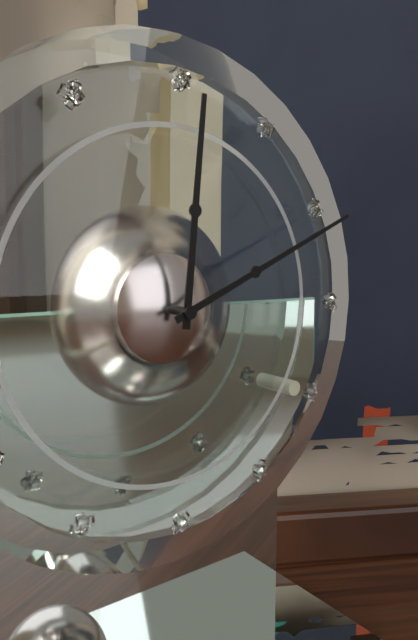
{"hour": 12, "minute": 11}
